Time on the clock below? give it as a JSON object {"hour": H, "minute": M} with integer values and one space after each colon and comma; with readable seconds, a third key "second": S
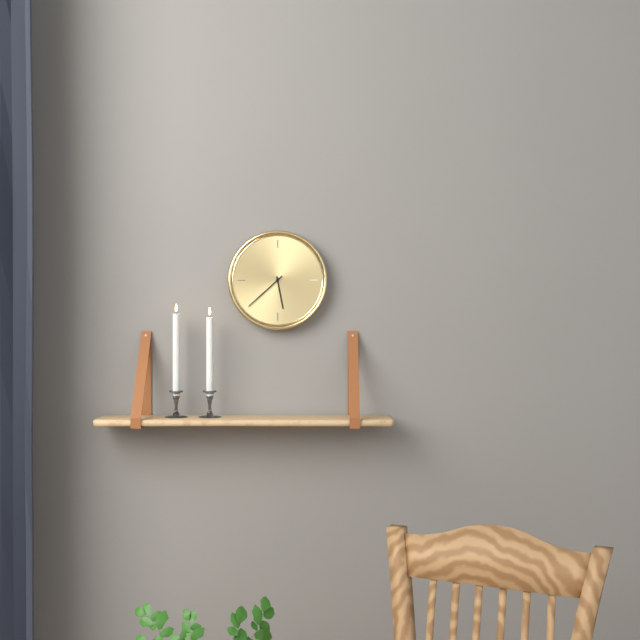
{"hour": 5, "minute": 38}
